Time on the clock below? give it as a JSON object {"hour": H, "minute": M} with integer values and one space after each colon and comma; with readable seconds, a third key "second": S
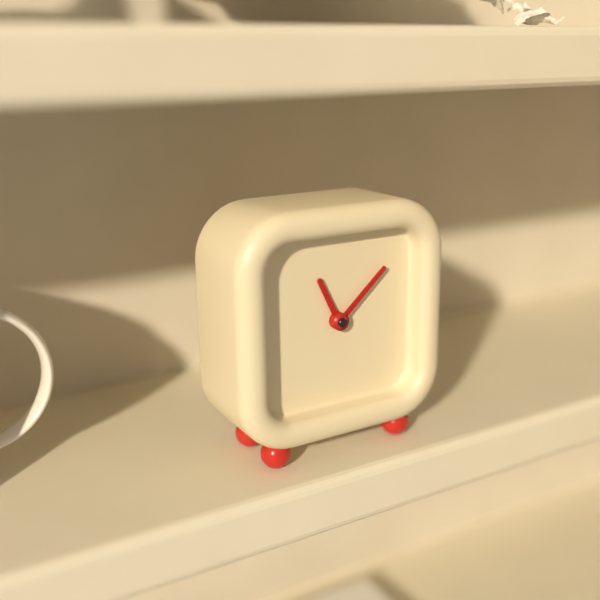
{"hour": 11, "minute": 8}
